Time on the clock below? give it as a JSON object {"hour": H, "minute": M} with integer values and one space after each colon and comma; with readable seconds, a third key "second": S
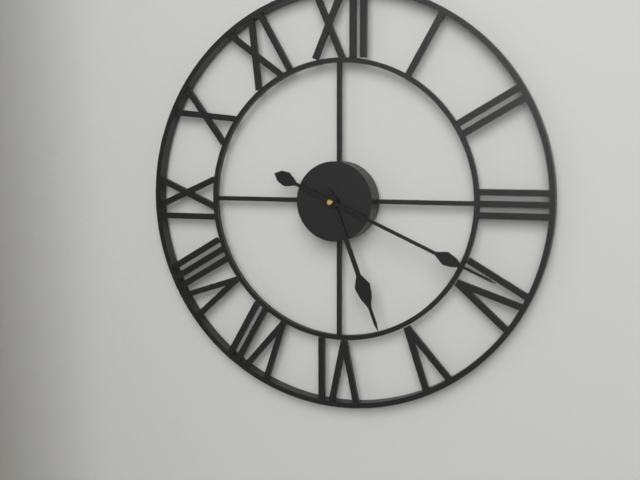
{"hour": 5, "minute": 19}
